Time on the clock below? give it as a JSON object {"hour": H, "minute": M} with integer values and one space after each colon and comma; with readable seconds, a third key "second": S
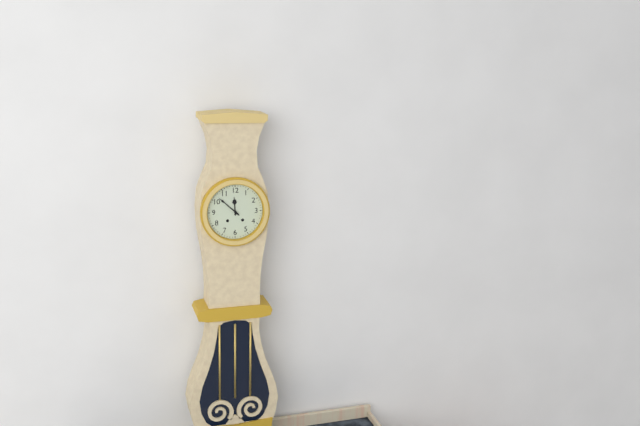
{"hour": 11, "minute": 52}
